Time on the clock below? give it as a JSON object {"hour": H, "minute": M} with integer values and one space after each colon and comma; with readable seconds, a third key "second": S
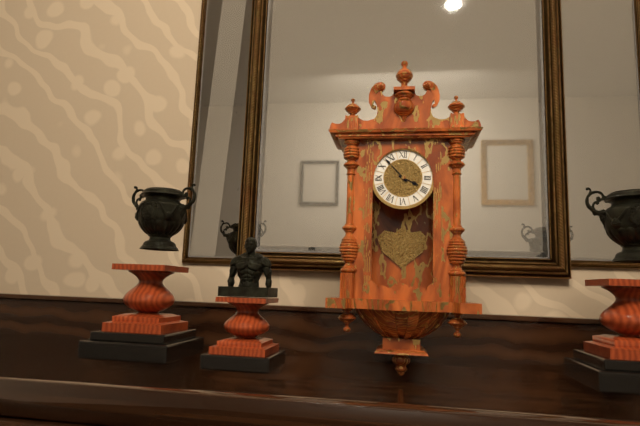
{"hour": 3, "minute": 53}
